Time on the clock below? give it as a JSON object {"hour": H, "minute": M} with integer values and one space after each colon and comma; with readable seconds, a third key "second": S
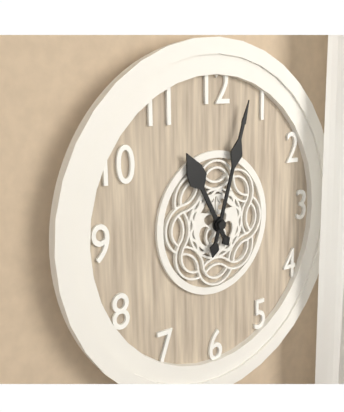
{"hour": 11, "minute": 3}
